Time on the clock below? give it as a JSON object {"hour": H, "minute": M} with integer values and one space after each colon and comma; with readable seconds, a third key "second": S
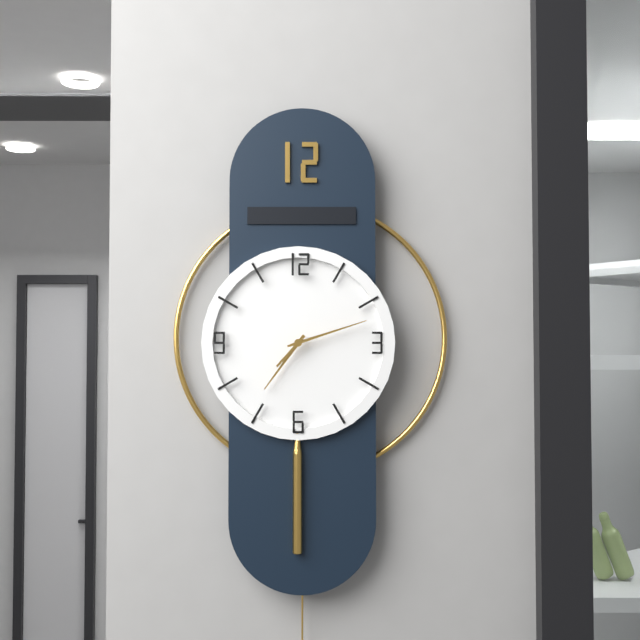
{"hour": 7, "minute": 12}
